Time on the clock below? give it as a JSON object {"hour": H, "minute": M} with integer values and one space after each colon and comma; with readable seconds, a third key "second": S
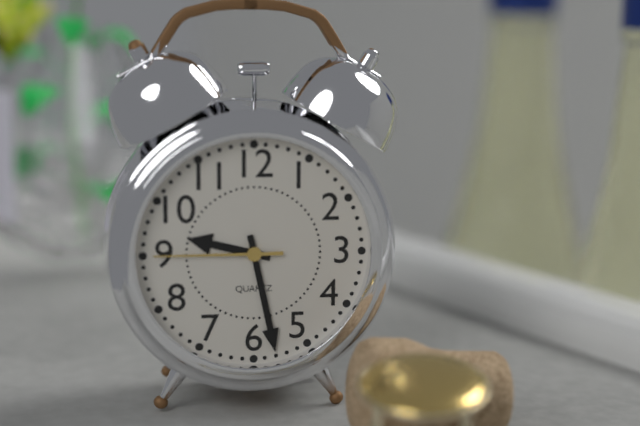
{"hour": 9, "minute": 28, "second": 45}
